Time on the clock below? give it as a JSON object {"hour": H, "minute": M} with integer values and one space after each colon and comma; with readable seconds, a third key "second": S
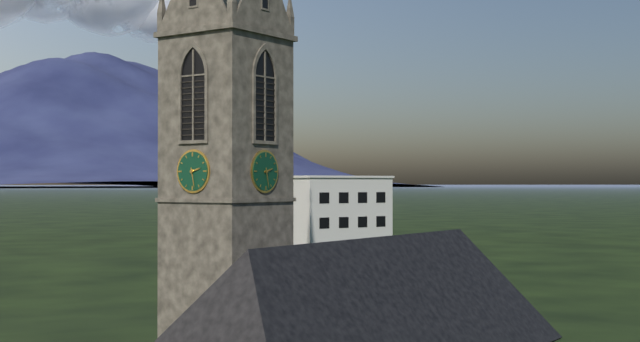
{"hour": 2, "minute": 28}
